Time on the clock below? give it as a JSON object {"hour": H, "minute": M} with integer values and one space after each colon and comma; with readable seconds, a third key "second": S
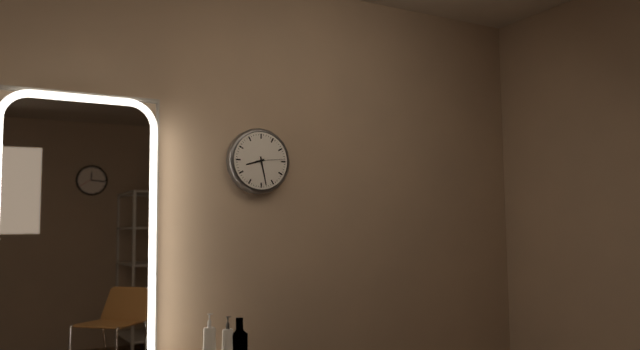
{"hour": 8, "minute": 28}
